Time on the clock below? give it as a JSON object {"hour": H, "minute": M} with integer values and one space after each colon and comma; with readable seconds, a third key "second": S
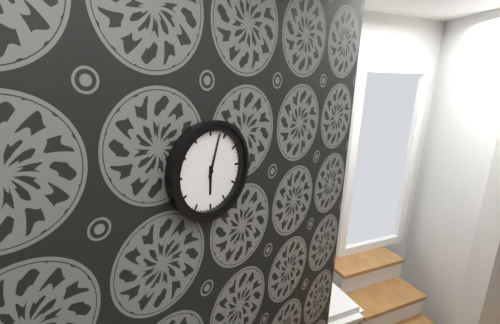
{"hour": 6, "minute": 3}
